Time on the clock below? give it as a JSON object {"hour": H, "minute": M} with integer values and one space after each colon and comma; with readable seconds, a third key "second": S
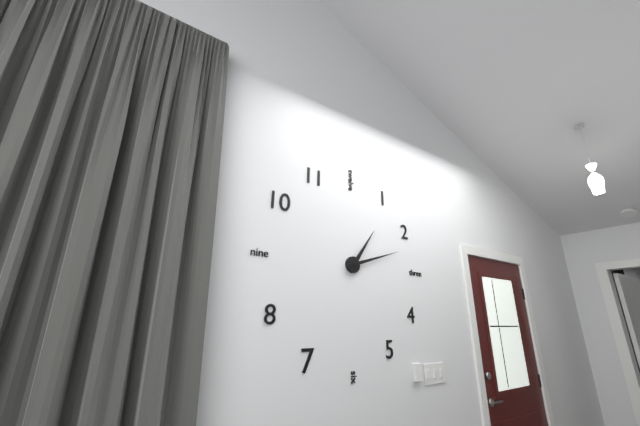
{"hour": 1, "minute": 12}
